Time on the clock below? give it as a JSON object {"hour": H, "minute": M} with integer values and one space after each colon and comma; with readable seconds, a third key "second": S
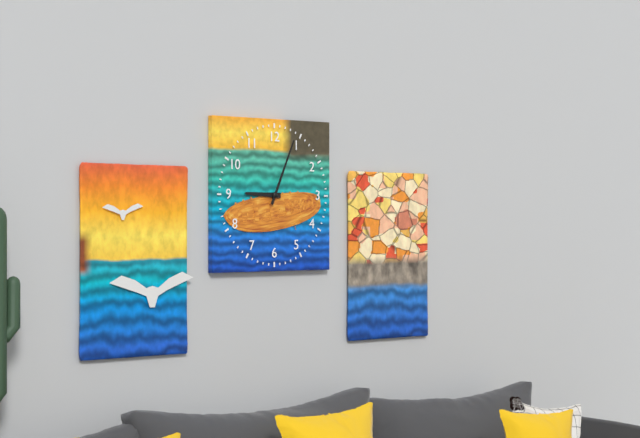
{"hour": 9, "minute": 4}
